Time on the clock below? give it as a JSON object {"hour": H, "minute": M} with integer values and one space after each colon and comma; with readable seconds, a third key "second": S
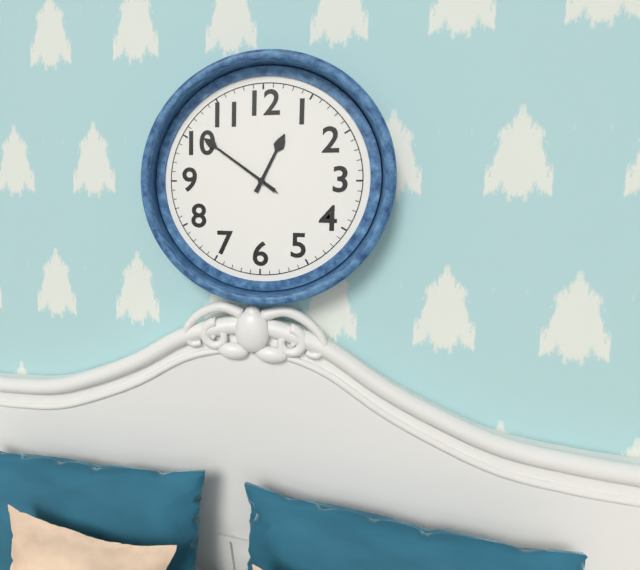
{"hour": 12, "minute": 51, "second": 51}
